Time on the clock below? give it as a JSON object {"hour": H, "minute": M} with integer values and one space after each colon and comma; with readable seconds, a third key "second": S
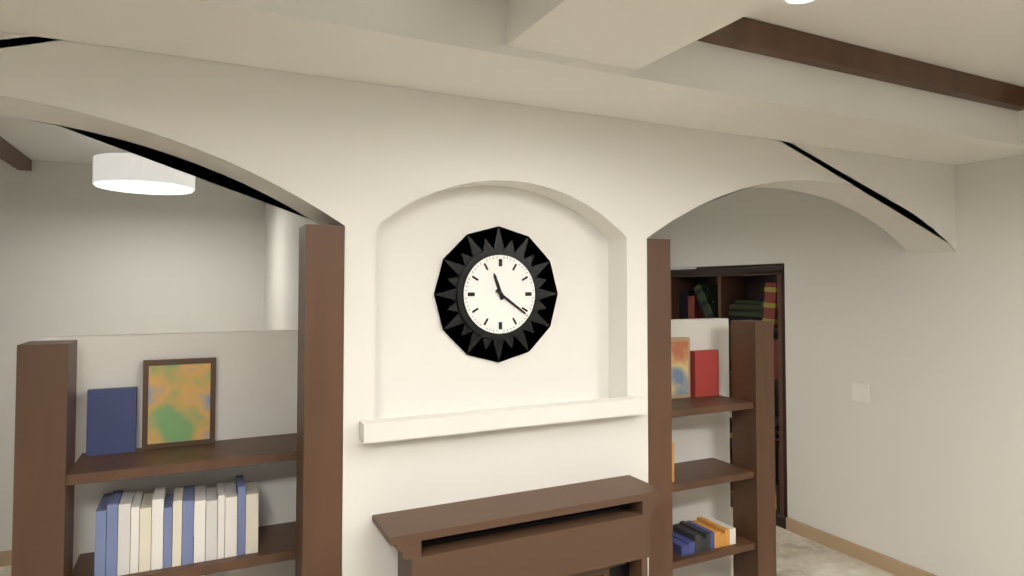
{"hour": 11, "minute": 21}
